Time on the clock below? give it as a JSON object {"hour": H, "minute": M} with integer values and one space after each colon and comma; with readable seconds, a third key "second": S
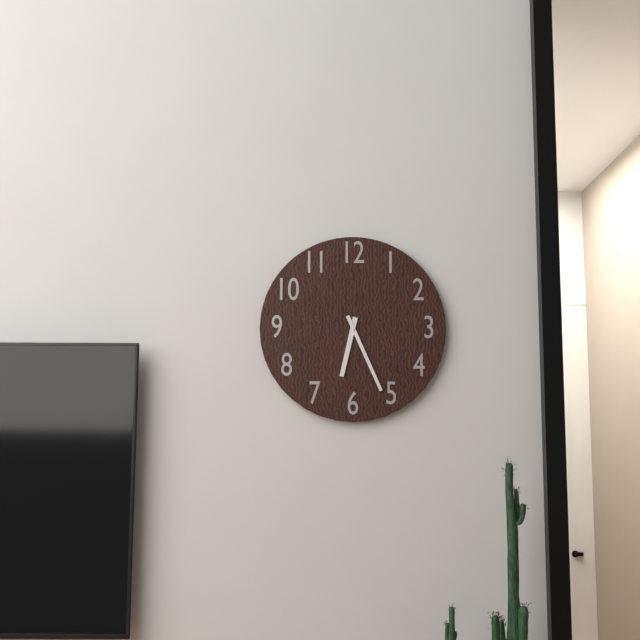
{"hour": 6, "minute": 26}
